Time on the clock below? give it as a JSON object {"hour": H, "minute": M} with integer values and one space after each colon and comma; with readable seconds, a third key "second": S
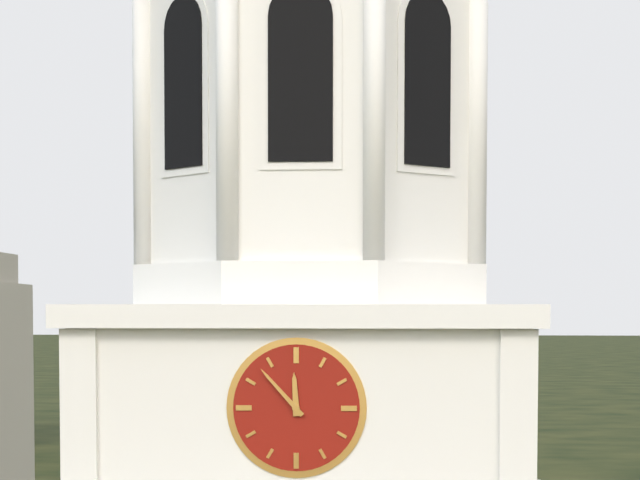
{"hour": 11, "minute": 53}
